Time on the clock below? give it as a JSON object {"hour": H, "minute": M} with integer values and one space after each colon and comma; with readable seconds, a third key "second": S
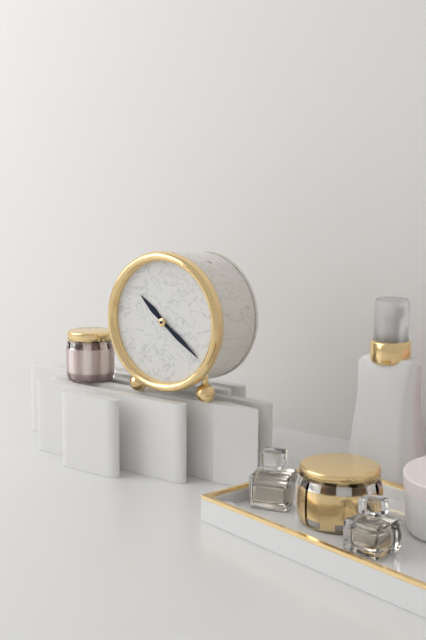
{"hour": 10, "minute": 21}
